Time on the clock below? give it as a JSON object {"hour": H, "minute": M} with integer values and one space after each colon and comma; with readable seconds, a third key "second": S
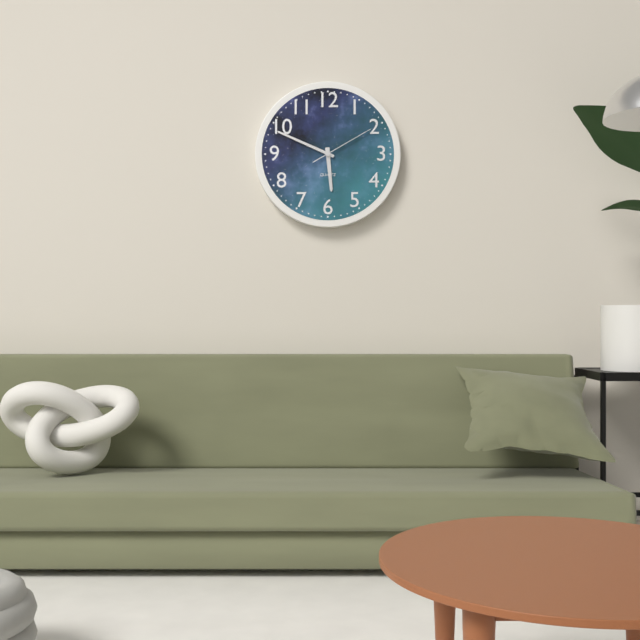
{"hour": 5, "minute": 49, "second": 10}
